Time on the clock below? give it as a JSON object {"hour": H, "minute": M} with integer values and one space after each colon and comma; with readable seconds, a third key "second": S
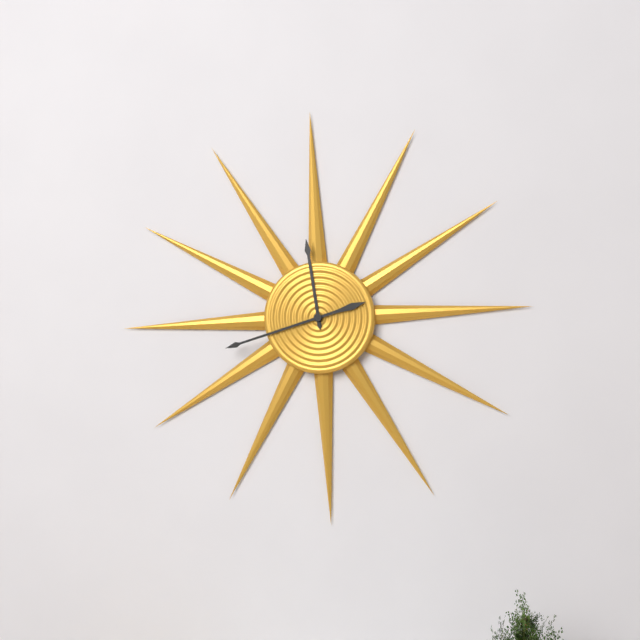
{"hour": 11, "minute": 42}
